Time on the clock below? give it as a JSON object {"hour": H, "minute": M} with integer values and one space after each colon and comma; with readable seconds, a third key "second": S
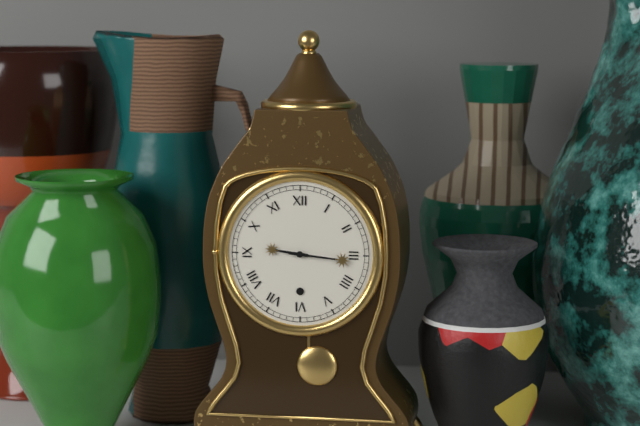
{"hour": 9, "minute": 16}
